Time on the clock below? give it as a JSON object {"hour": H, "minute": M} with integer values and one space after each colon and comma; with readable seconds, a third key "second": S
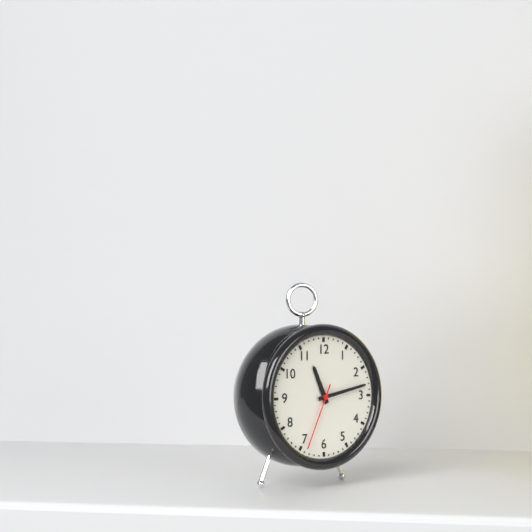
{"hour": 11, "minute": 13, "second": 34}
